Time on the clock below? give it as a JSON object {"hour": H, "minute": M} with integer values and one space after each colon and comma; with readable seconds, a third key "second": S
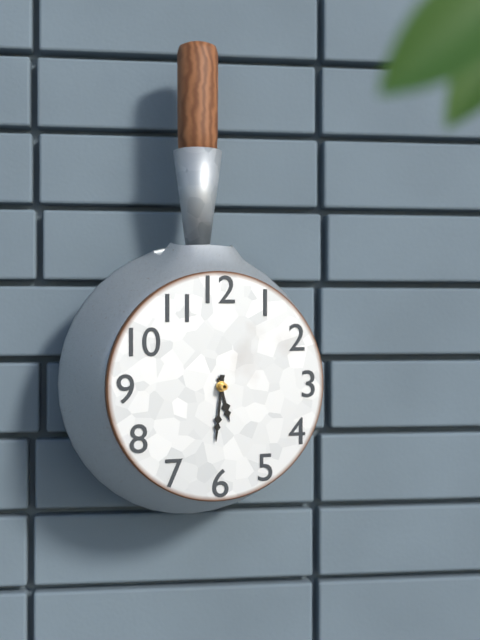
{"hour": 5, "minute": 31}
